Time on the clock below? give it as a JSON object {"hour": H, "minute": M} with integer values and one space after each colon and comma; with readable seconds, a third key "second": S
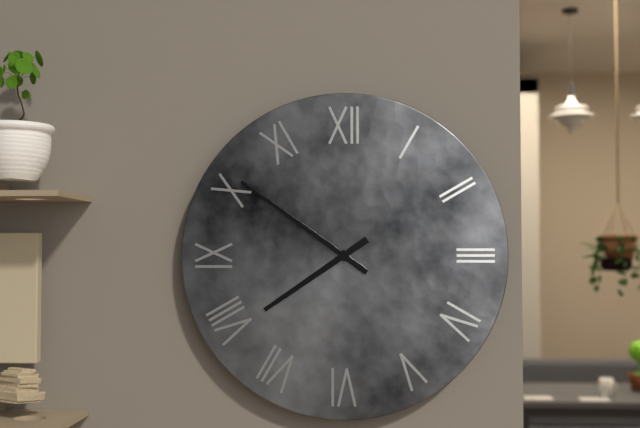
{"hour": 7, "minute": 51}
